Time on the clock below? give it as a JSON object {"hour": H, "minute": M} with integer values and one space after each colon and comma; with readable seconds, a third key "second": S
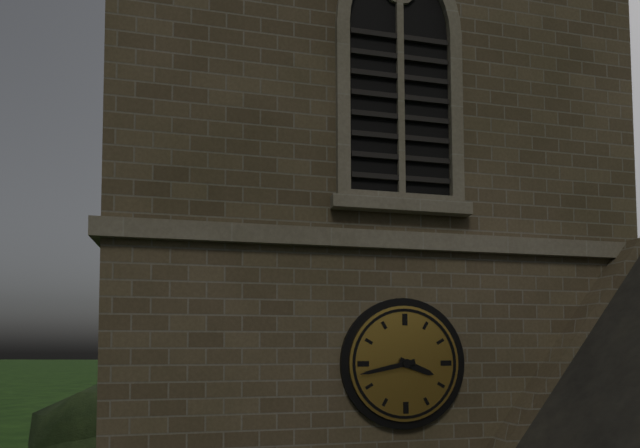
{"hour": 3, "minute": 43}
